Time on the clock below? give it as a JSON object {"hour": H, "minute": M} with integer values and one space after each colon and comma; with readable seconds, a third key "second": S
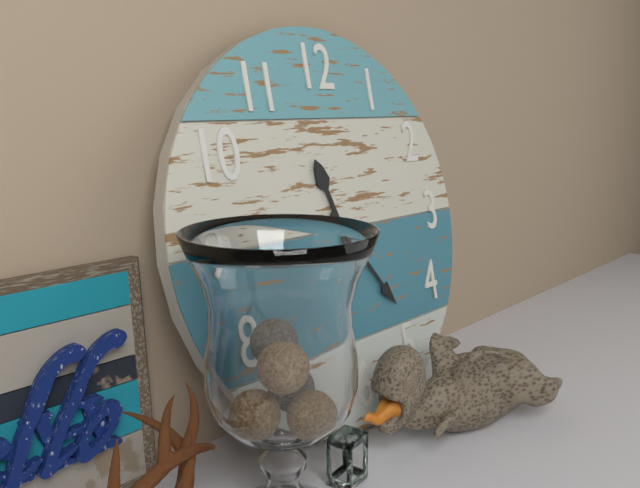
{"hour": 11, "minute": 24}
